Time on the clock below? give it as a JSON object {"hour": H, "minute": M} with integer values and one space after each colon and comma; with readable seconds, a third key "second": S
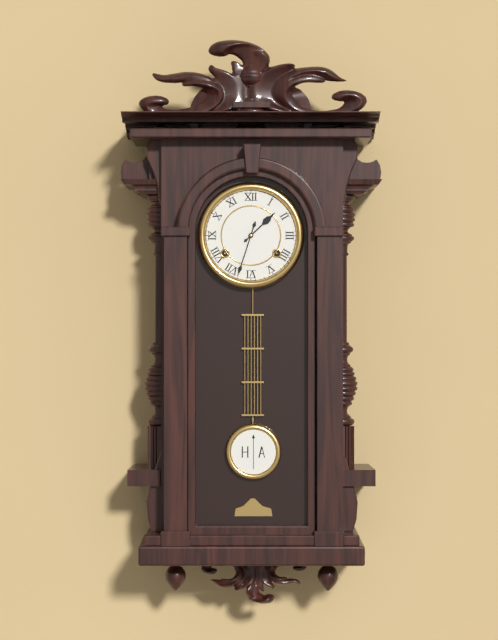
{"hour": 1, "minute": 33}
